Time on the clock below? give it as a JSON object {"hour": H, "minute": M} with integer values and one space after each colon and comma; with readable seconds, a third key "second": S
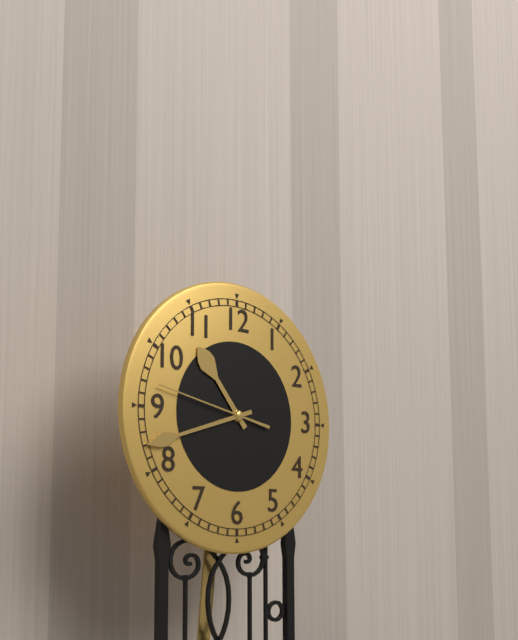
{"hour": 10, "minute": 42, "second": 47}
